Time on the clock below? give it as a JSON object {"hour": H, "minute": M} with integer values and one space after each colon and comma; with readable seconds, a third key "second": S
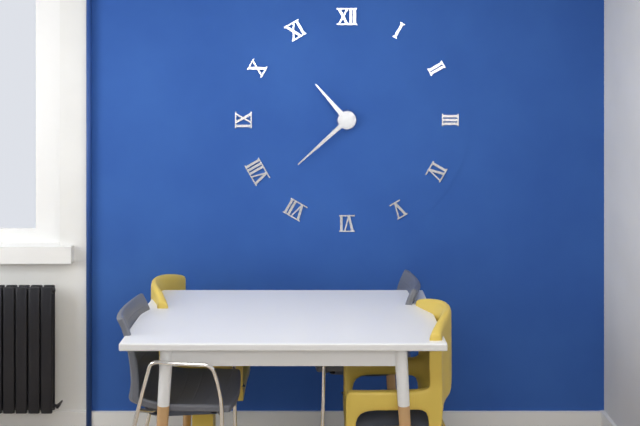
{"hour": 10, "minute": 38}
